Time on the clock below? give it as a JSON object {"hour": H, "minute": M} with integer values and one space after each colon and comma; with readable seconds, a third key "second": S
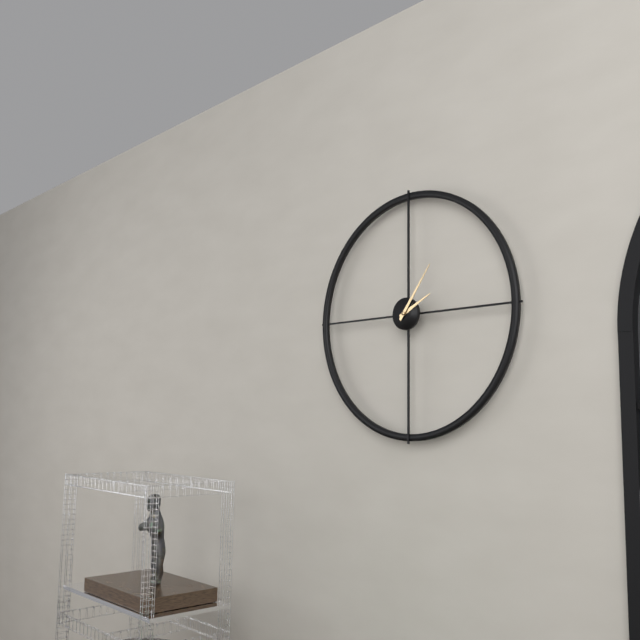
{"hour": 2, "minute": 6}
